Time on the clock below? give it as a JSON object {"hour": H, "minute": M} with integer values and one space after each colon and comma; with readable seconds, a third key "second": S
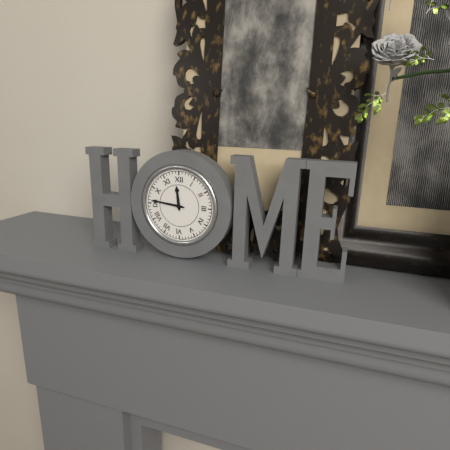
{"hour": 11, "minute": 46}
